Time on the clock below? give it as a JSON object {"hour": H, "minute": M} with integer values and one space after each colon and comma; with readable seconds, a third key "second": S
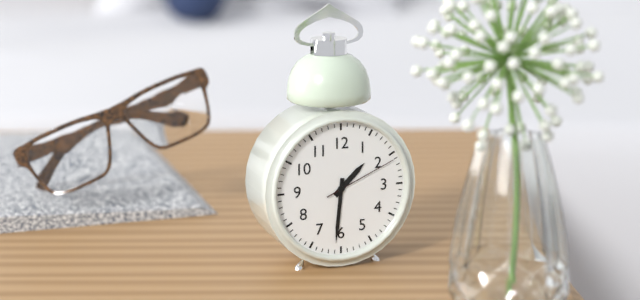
{"hour": 1, "minute": 31, "second": 11}
